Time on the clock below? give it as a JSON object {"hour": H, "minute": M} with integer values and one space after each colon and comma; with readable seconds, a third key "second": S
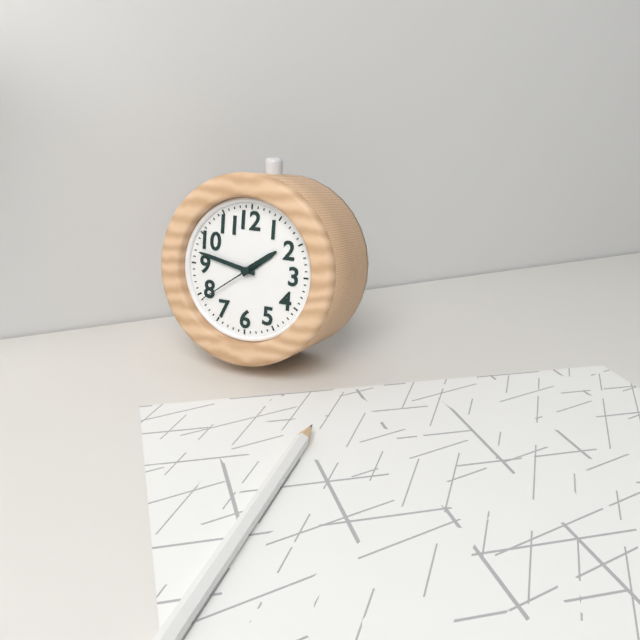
{"hour": 1, "minute": 47, "second": 39}
